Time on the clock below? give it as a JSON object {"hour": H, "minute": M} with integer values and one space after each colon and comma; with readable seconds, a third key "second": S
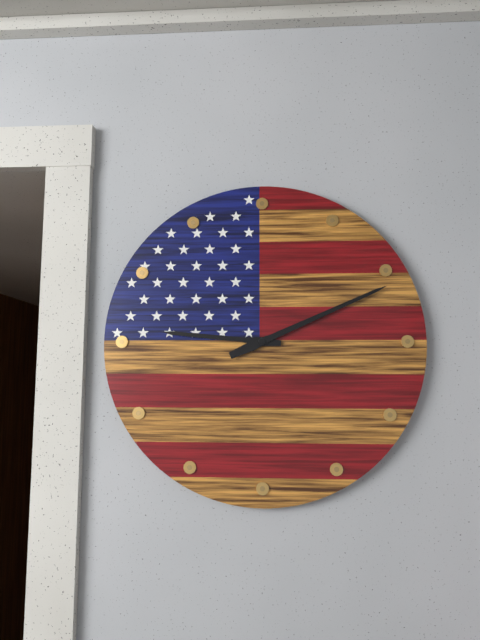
{"hour": 9, "minute": 11}
